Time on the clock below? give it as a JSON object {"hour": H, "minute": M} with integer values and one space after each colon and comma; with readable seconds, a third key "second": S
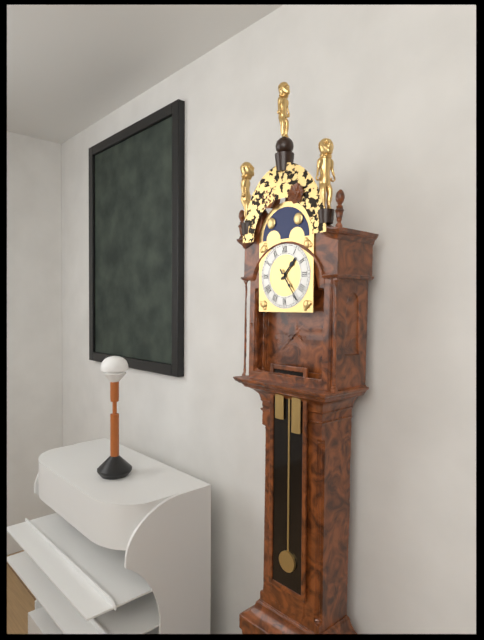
{"hour": 1, "minute": 24}
